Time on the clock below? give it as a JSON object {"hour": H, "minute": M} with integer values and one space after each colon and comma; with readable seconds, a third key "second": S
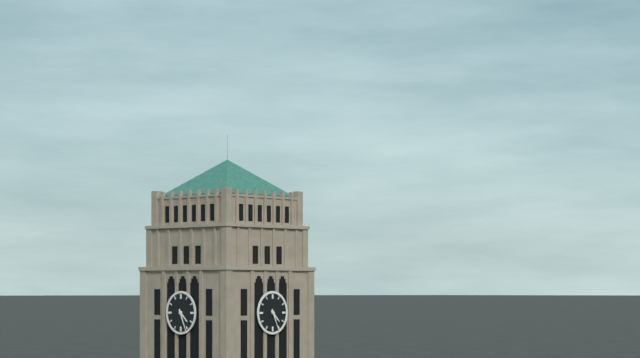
{"hour": 4, "minute": 26}
